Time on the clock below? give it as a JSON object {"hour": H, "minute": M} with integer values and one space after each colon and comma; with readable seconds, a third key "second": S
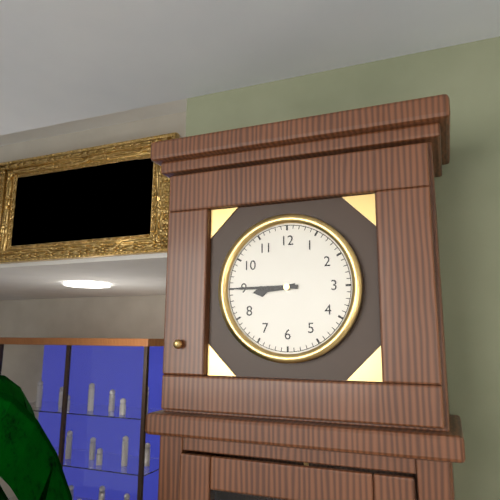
{"hour": 8, "minute": 45}
